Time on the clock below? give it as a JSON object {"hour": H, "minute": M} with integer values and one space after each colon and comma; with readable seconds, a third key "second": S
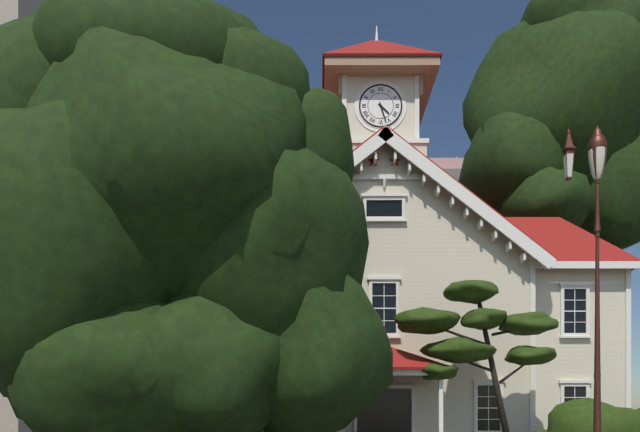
{"hour": 4, "minute": 27}
